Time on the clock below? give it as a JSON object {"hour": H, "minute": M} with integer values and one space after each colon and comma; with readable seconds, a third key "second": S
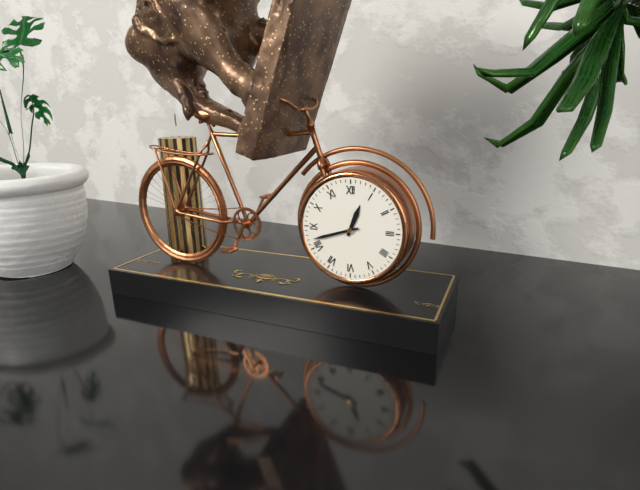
{"hour": 12, "minute": 42}
